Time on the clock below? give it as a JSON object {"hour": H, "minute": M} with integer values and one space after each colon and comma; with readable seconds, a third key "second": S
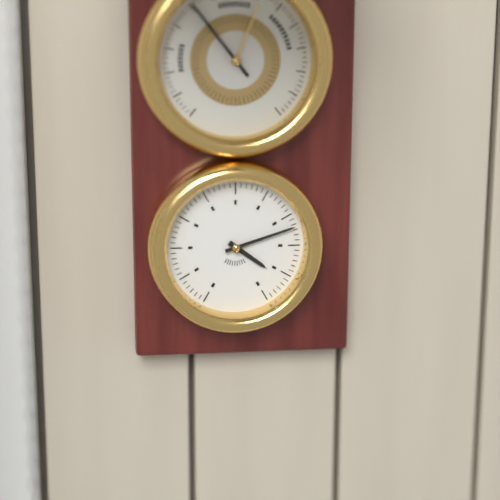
{"hour": 4, "minute": 12}
